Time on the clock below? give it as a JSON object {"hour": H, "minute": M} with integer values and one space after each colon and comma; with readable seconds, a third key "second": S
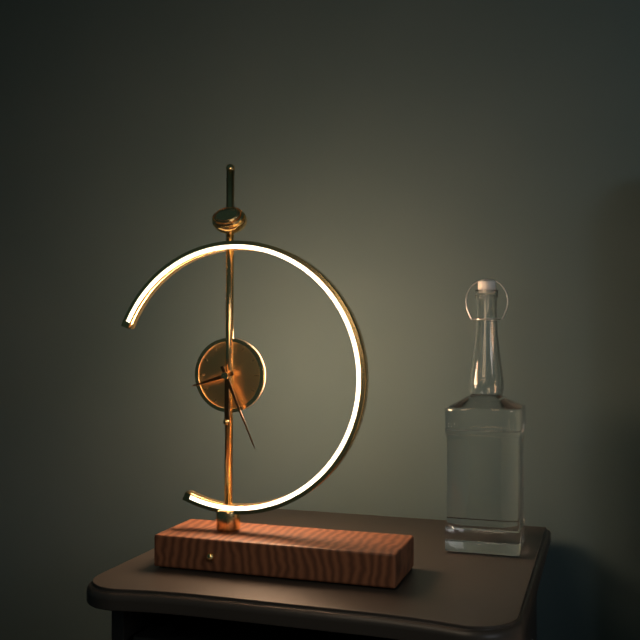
{"hour": 8, "minute": 26}
